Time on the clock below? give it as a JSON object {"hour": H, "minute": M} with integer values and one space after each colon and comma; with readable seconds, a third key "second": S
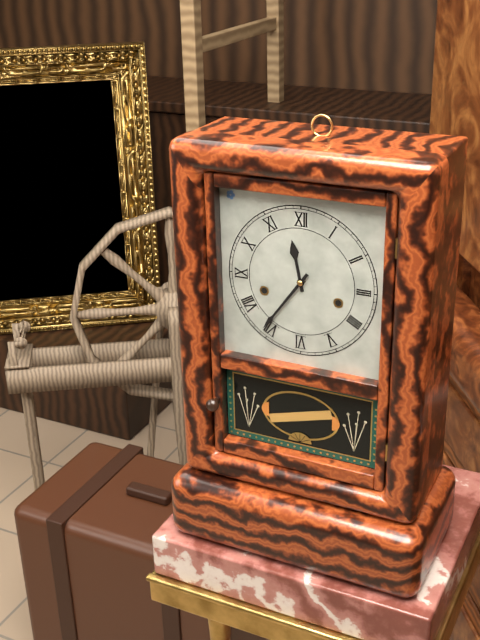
{"hour": 11, "minute": 36}
